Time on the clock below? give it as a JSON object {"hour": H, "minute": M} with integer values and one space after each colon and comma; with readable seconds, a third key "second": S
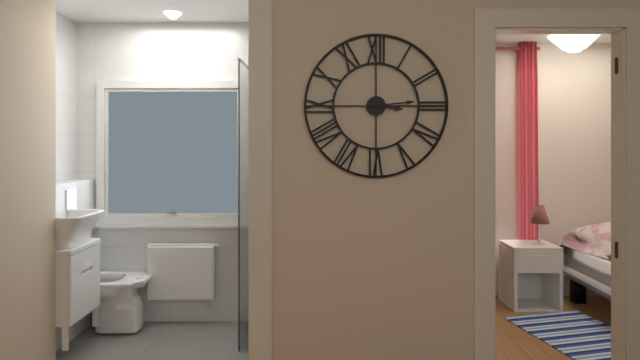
{"hour": 3, "minute": 14}
